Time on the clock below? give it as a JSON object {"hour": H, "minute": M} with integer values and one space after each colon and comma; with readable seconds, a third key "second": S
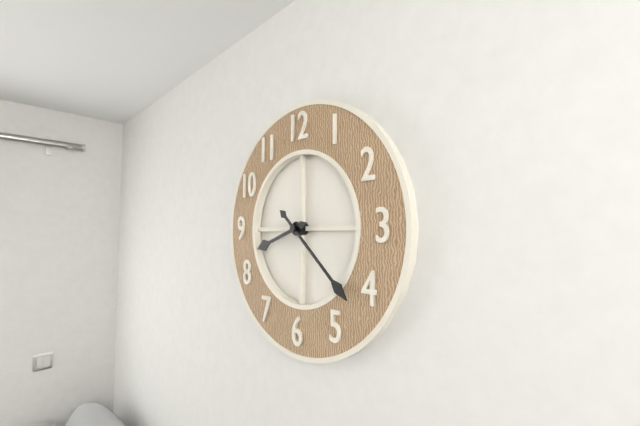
{"hour": 8, "minute": 22}
